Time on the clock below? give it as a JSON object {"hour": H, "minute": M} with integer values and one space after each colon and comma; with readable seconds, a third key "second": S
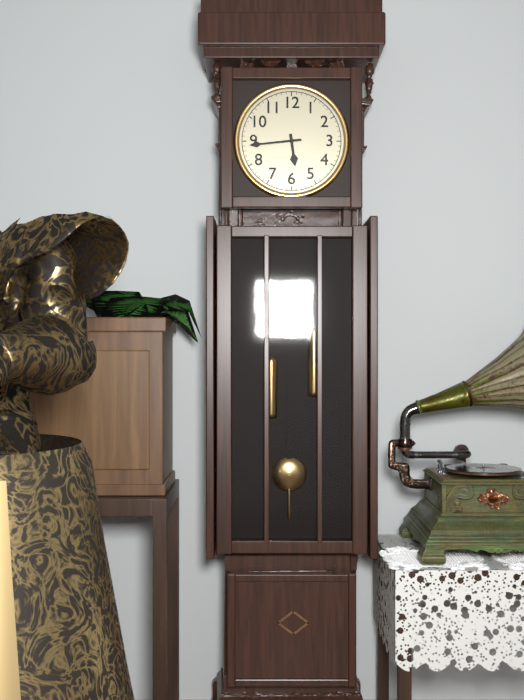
{"hour": 5, "minute": 44}
